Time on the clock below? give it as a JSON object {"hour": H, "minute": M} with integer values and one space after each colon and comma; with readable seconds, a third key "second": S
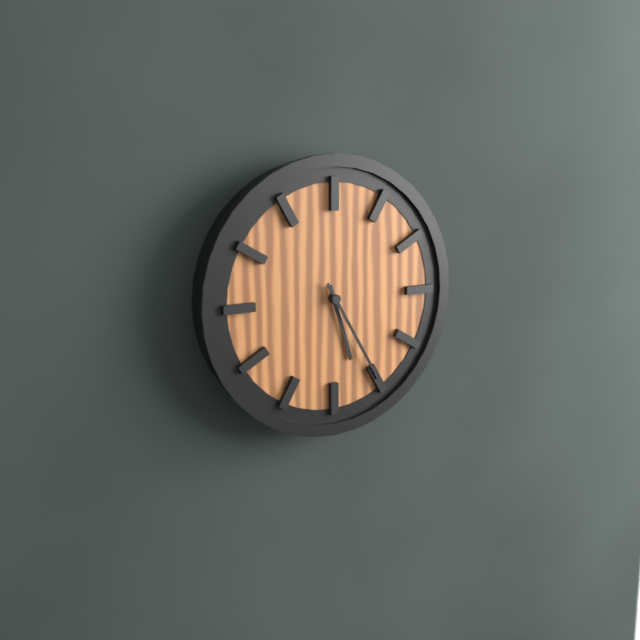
{"hour": 5, "minute": 25}
